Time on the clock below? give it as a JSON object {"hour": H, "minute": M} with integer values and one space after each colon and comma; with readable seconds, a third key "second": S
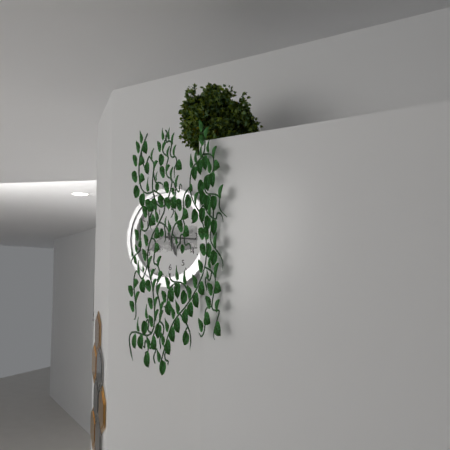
{"hour": 5, "minute": 16}
